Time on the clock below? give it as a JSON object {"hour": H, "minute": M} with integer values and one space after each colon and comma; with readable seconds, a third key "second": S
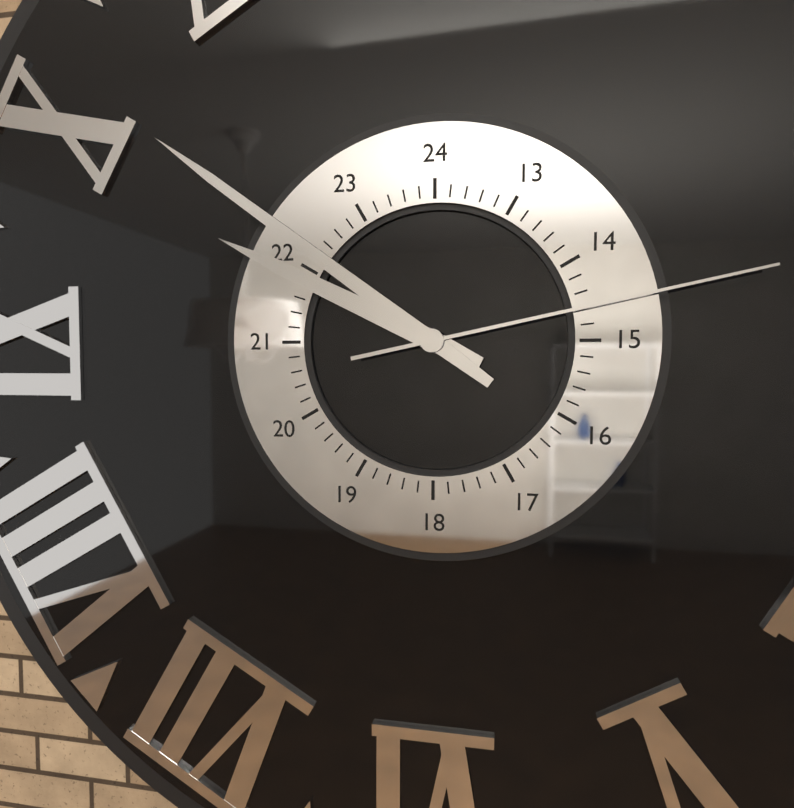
{"hour": 9, "minute": 51, "second": 13}
